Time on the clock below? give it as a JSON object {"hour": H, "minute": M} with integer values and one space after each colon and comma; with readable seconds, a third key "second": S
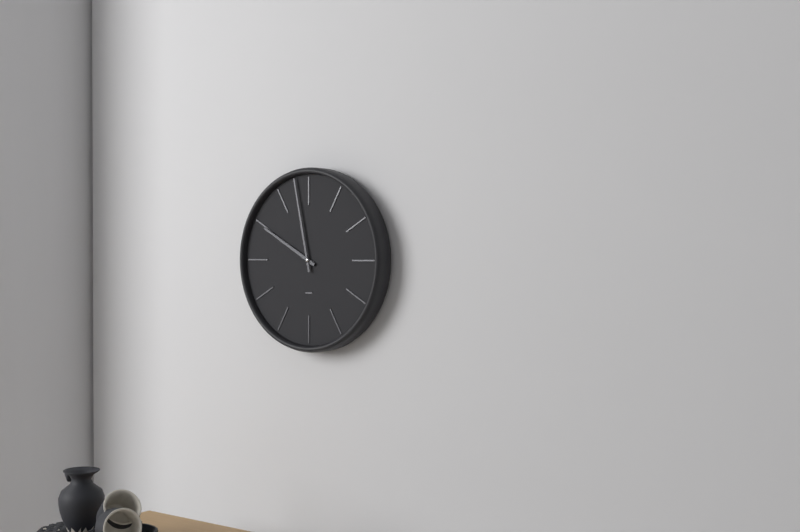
{"hour": 9, "minute": 58}
